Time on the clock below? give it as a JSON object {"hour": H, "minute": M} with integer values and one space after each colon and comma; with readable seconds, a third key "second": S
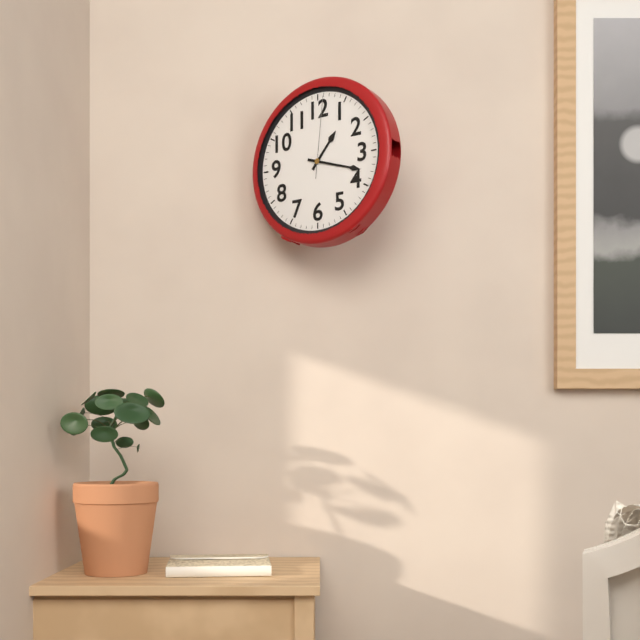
{"hour": 1, "minute": 18, "second": 1}
